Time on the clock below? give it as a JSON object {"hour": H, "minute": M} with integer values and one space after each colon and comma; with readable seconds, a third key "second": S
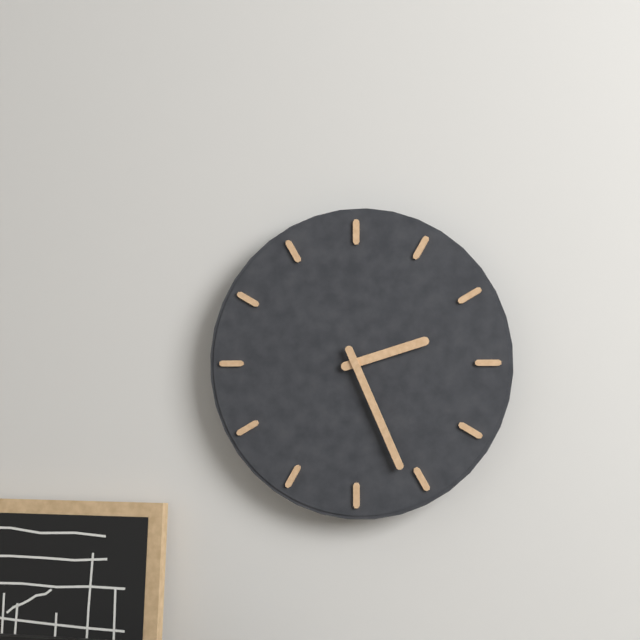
{"hour": 2, "minute": 26}
